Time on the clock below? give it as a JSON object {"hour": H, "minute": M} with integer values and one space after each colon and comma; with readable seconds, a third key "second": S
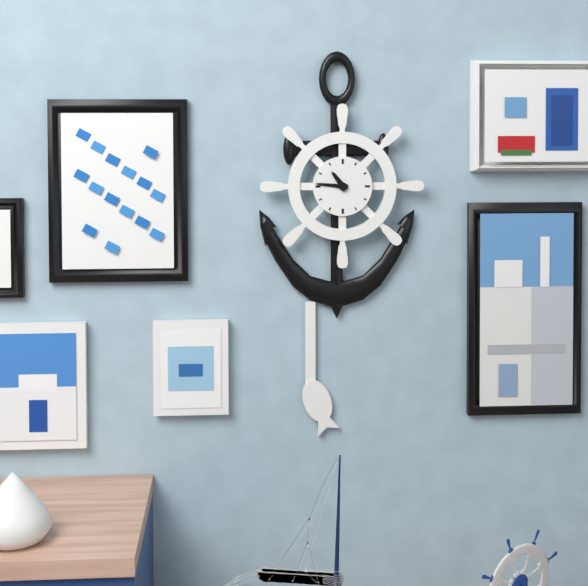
{"hour": 10, "minute": 46}
